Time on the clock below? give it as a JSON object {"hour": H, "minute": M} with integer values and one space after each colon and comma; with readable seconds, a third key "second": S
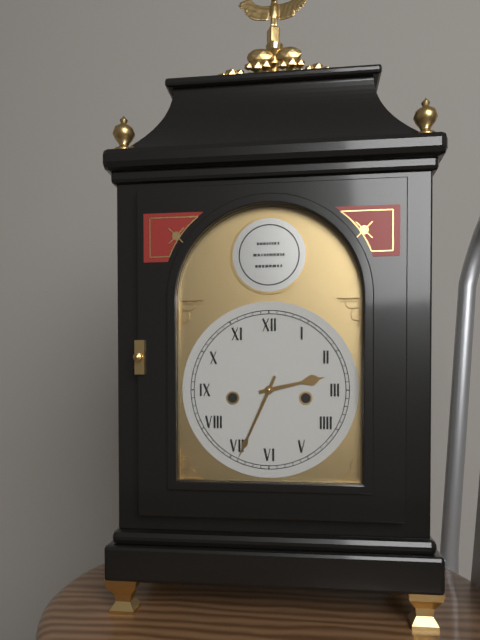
{"hour": 2, "minute": 34}
